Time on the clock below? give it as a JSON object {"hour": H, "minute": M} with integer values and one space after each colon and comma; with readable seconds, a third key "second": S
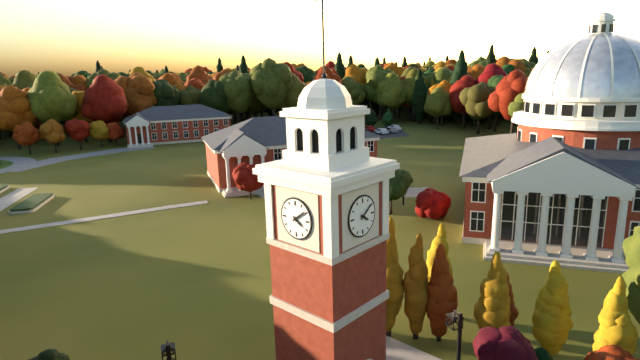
{"hour": 4, "minute": 9}
